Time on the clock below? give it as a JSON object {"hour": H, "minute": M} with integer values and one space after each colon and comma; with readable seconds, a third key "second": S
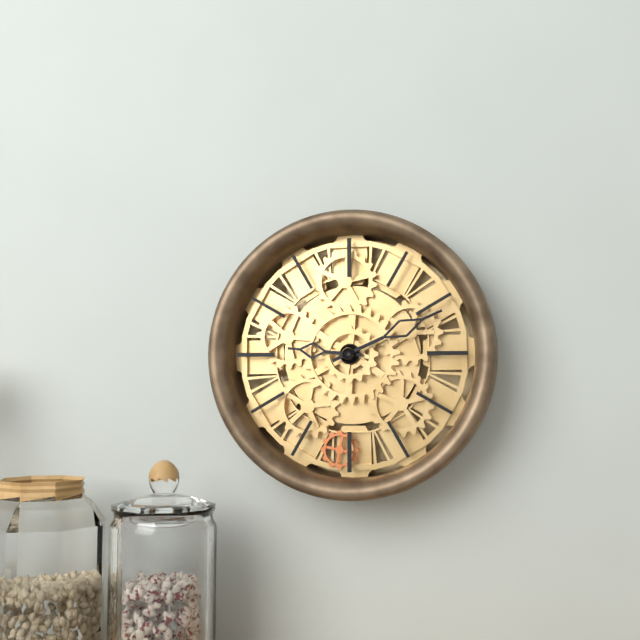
{"hour": 9, "minute": 11}
